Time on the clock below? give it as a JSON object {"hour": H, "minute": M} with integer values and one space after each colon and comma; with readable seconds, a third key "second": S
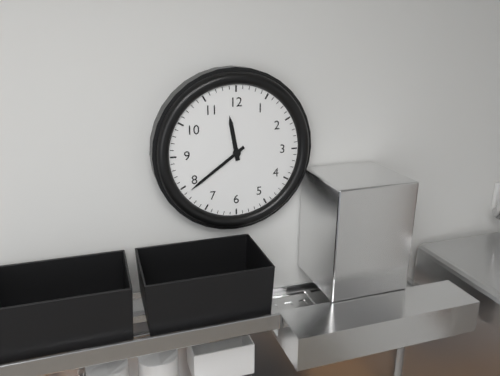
{"hour": 11, "minute": 39}
